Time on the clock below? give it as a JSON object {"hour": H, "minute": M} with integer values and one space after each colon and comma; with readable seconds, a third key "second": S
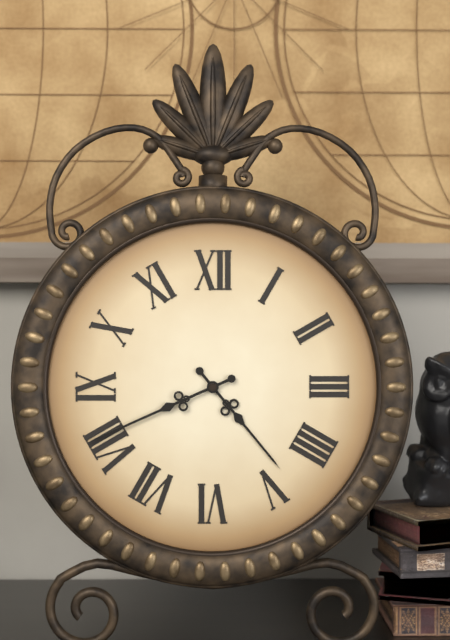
{"hour": 4, "minute": 41}
